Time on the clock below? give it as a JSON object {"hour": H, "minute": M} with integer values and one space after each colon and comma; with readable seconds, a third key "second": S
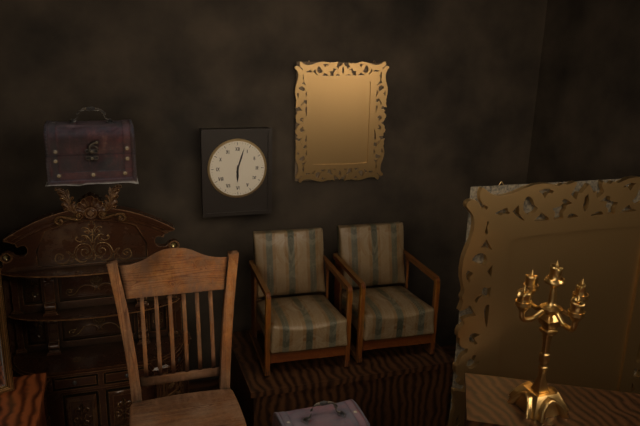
{"hour": 6, "minute": 3}
